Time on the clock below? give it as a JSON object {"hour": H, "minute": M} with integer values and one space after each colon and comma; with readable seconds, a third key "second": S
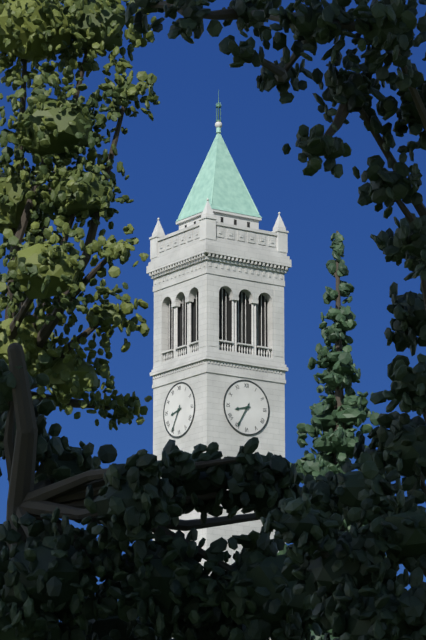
{"hour": 8, "minute": 35}
